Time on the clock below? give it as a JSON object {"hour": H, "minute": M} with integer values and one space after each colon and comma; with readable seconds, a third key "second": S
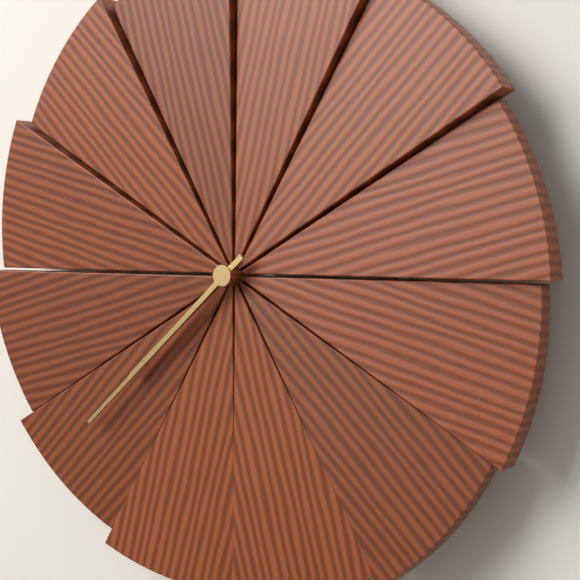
{"hour": 7, "minute": 38}
